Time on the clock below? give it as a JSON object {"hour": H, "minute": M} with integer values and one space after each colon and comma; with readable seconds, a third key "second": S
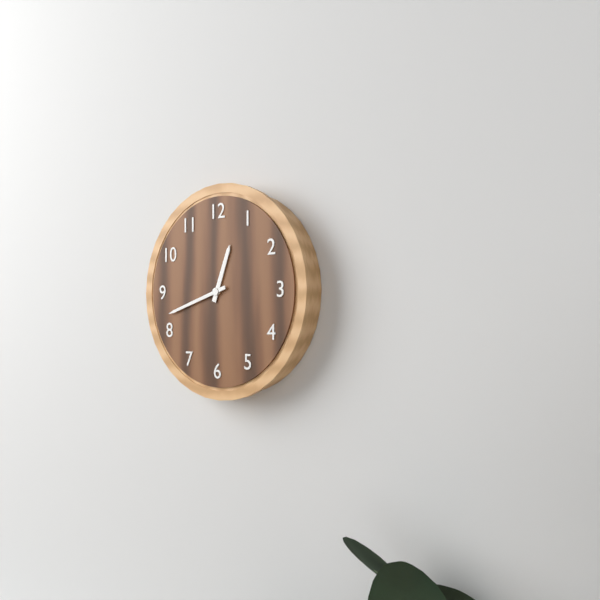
{"hour": 12, "minute": 42}
